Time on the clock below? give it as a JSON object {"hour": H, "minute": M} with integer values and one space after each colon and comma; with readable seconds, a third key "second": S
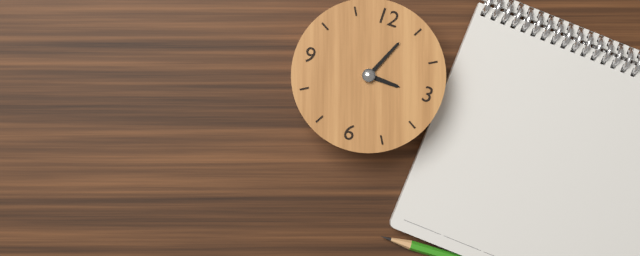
{"hour": 3, "minute": 4}
